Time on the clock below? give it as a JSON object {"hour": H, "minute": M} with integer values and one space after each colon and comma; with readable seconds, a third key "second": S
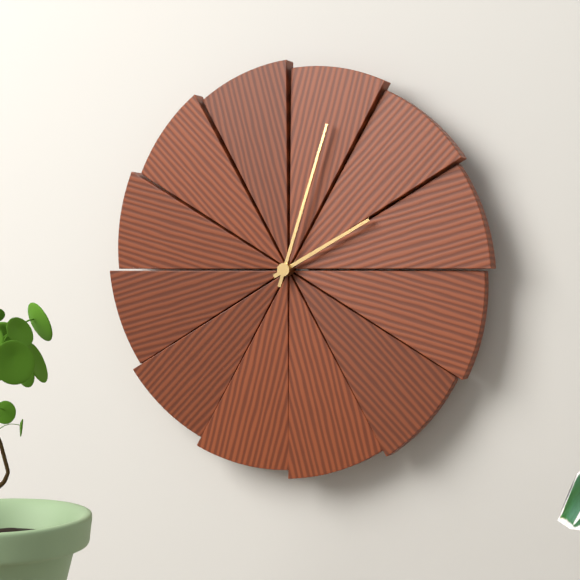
{"hour": 2, "minute": 3}
